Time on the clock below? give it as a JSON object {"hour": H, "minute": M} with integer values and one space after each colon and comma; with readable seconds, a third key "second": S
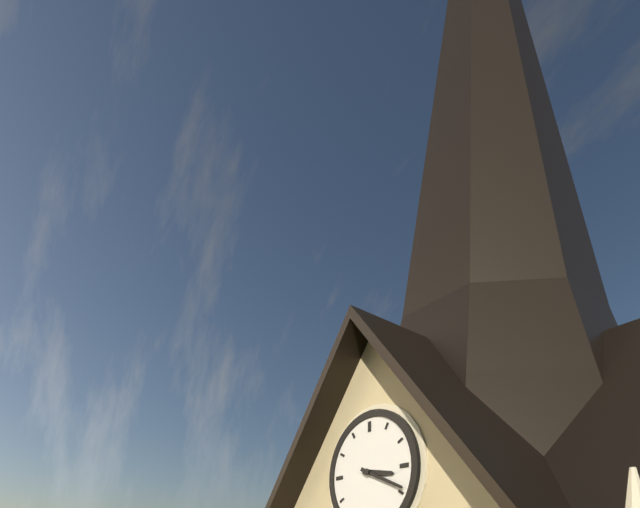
{"hour": 3, "minute": 19}
